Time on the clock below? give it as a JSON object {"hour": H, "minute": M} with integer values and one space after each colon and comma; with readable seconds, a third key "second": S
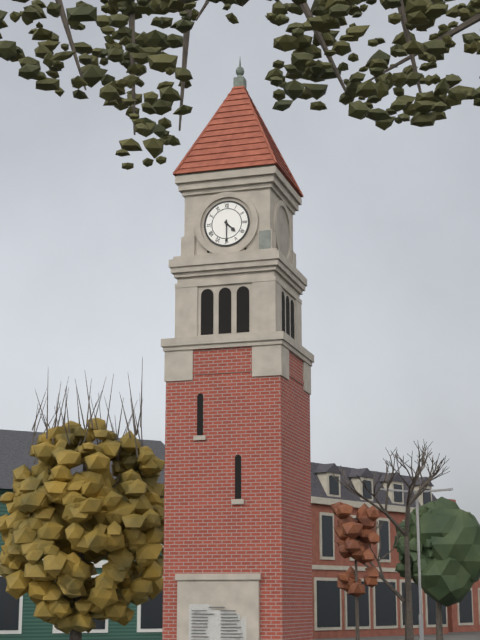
{"hour": 4, "minute": 30}
